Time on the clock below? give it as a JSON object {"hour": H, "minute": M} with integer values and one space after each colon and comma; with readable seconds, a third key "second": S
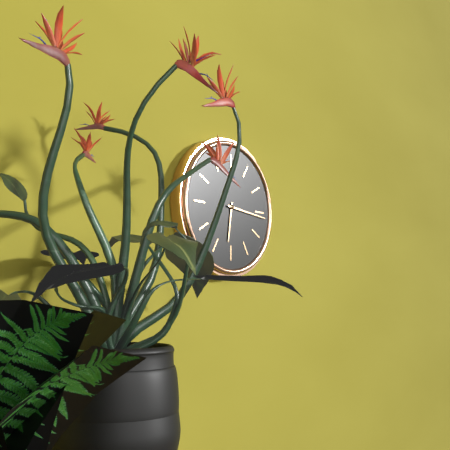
{"hour": 6, "minute": 16}
